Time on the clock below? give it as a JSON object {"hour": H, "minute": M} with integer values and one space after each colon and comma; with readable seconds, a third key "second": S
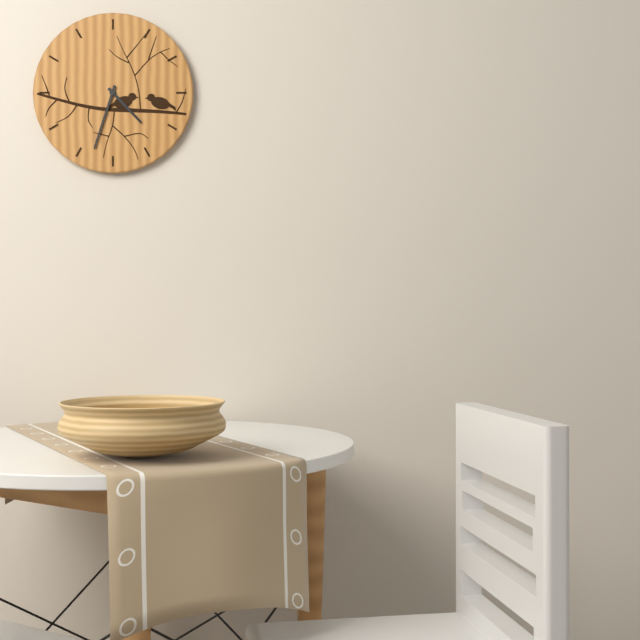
{"hour": 4, "minute": 33}
